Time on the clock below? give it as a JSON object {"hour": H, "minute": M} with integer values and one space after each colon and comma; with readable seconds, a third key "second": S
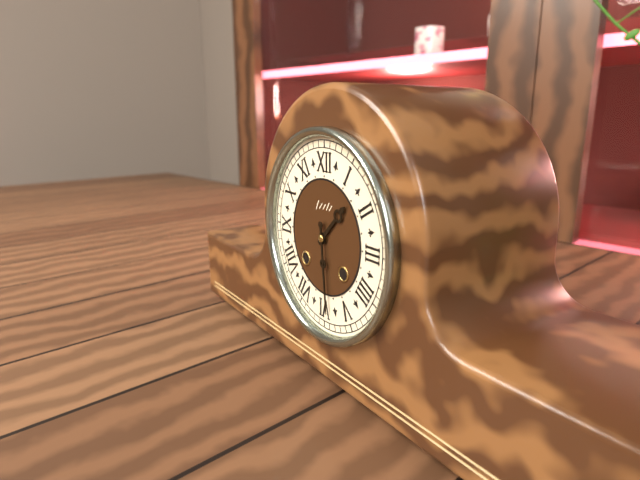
{"hour": 1, "minute": 29}
